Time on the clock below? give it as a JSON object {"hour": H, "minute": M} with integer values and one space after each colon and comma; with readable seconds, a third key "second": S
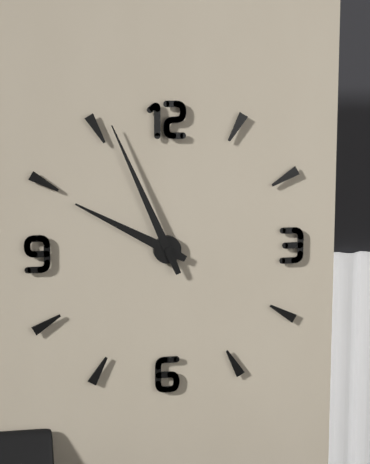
{"hour": 9, "minute": 56}
